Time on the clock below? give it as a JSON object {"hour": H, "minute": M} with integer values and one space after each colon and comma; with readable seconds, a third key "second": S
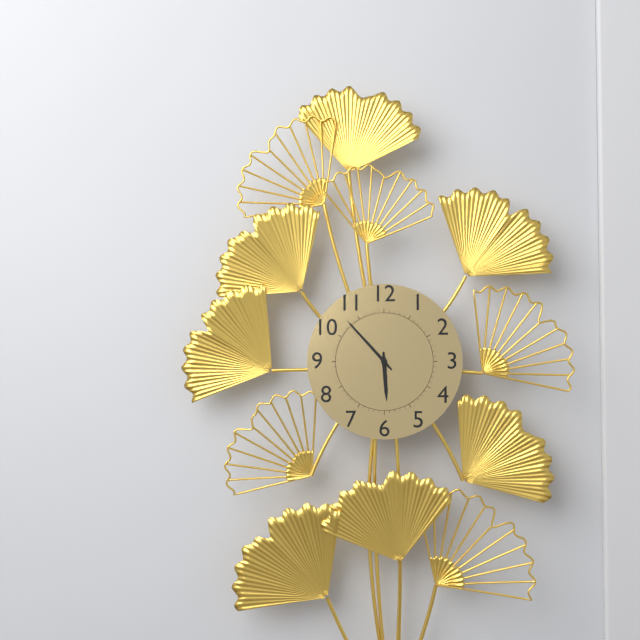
{"hour": 5, "minute": 53}
